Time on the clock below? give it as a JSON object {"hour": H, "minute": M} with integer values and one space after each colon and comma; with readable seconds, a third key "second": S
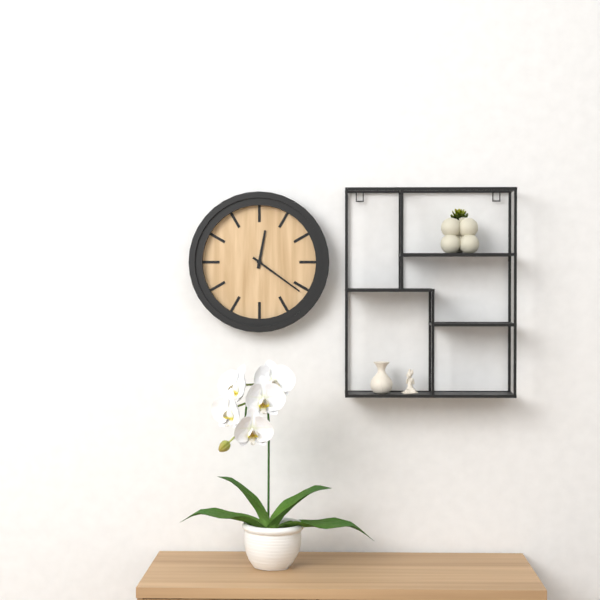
{"hour": 12, "minute": 21}
